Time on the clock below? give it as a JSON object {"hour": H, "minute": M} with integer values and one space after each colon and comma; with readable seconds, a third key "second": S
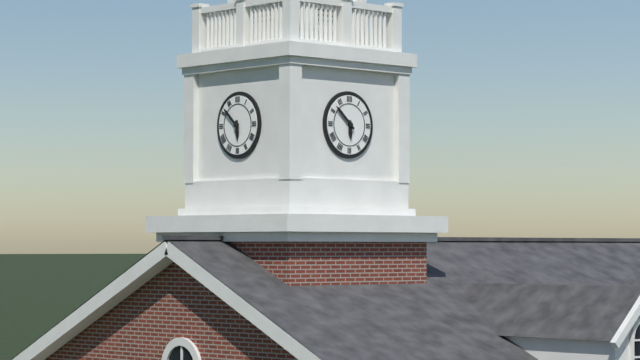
{"hour": 5, "minute": 52}
